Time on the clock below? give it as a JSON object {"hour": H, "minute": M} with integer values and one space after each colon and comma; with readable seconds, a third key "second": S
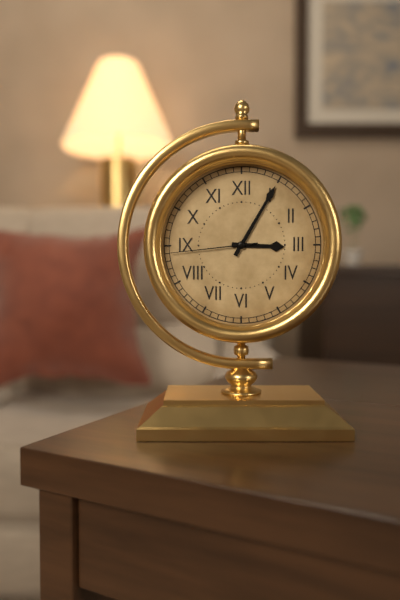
{"hour": 3, "minute": 5, "second": 44}
